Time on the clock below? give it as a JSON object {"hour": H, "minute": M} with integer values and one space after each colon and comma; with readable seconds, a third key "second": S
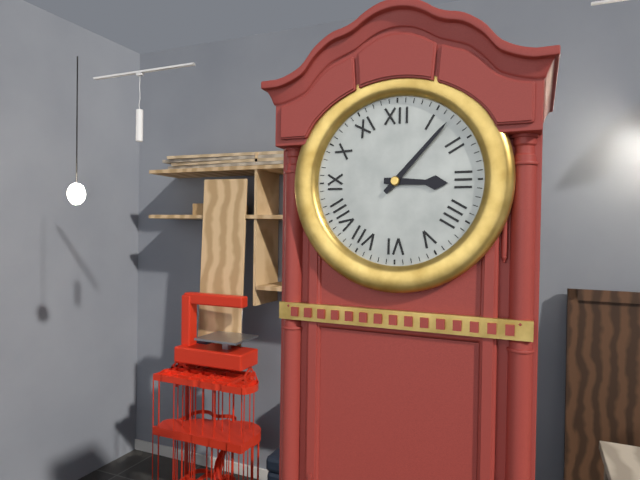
{"hour": 3, "minute": 7}
